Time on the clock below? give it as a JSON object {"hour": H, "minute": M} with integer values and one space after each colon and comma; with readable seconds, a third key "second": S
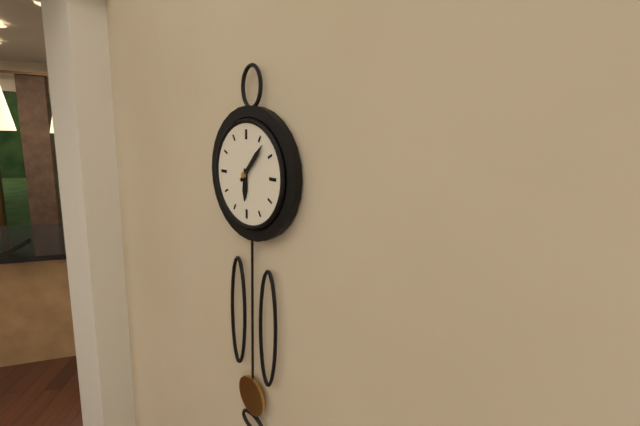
{"hour": 6, "minute": 7}
